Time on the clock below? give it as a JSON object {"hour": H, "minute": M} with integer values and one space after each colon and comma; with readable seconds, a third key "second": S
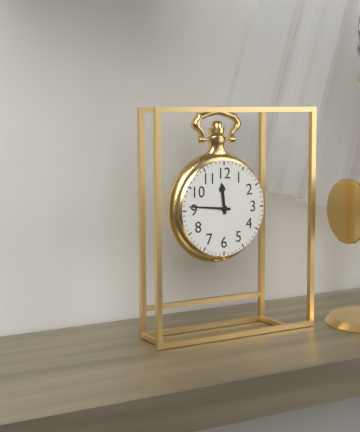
{"hour": 11, "minute": 46}
